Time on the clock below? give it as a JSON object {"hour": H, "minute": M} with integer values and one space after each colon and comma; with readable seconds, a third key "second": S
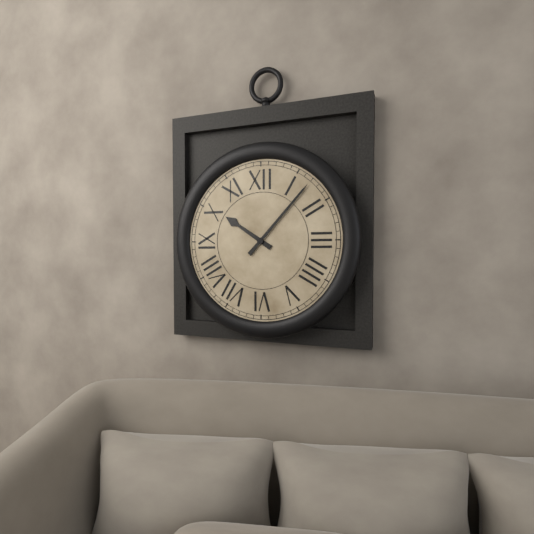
{"hour": 10, "minute": 7}
